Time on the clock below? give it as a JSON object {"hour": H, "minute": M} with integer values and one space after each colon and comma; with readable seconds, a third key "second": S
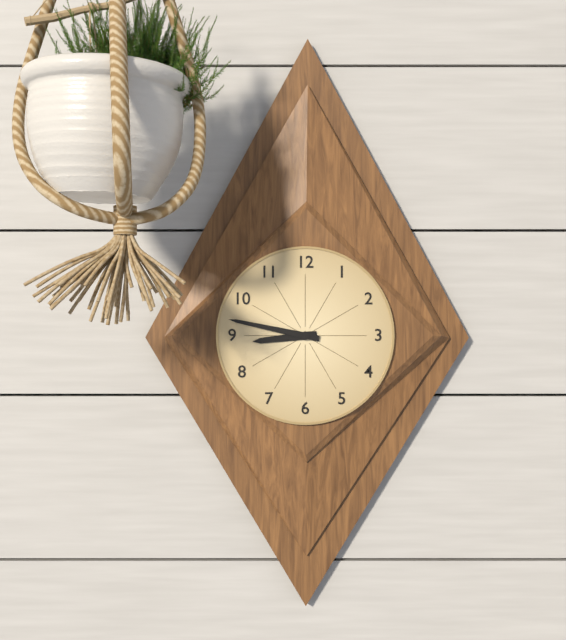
{"hour": 8, "minute": 47}
